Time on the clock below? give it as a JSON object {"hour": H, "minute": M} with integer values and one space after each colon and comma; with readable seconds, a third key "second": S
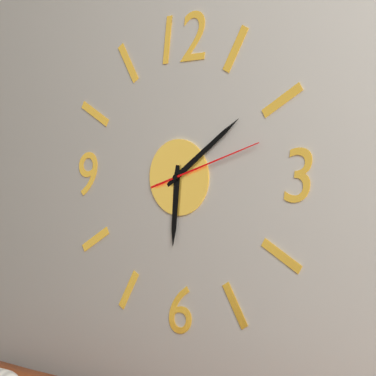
{"hour": 6, "minute": 9, "second": 12}
